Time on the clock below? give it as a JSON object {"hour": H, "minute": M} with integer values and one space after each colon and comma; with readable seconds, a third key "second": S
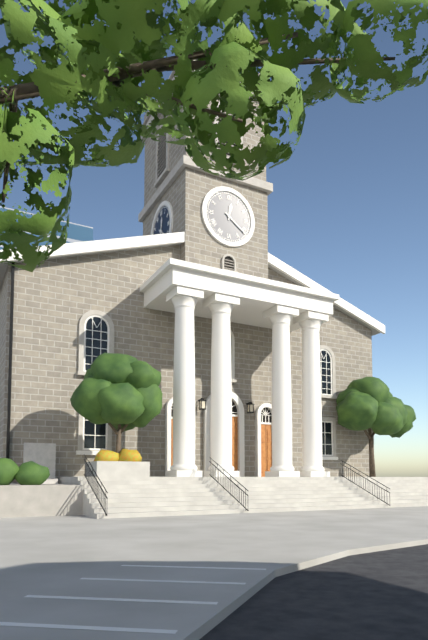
{"hour": 12, "minute": 21}
